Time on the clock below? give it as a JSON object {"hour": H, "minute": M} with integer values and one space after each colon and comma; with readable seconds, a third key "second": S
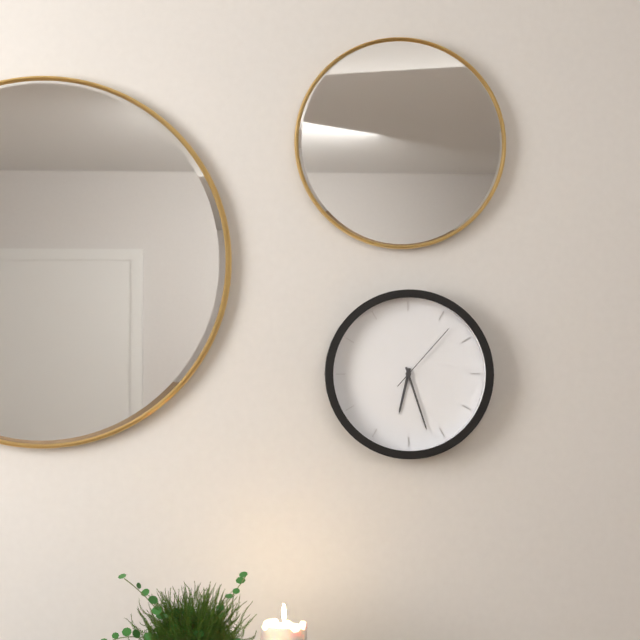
{"hour": 6, "minute": 27, "second": 7}
